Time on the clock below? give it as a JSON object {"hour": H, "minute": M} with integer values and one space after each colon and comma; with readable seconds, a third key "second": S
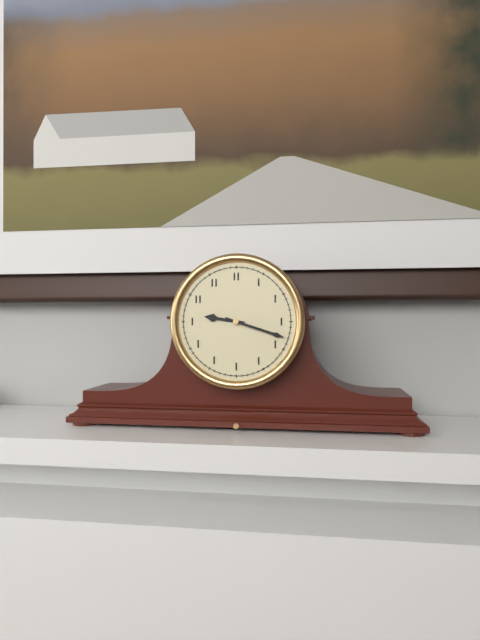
{"hour": 9, "minute": 18}
